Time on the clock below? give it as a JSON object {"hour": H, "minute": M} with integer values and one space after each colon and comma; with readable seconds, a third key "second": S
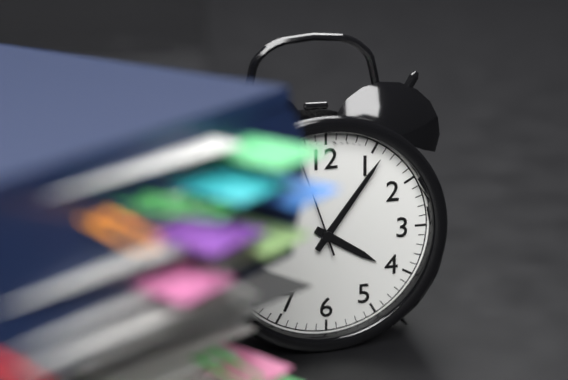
{"hour": 4, "minute": 6}
